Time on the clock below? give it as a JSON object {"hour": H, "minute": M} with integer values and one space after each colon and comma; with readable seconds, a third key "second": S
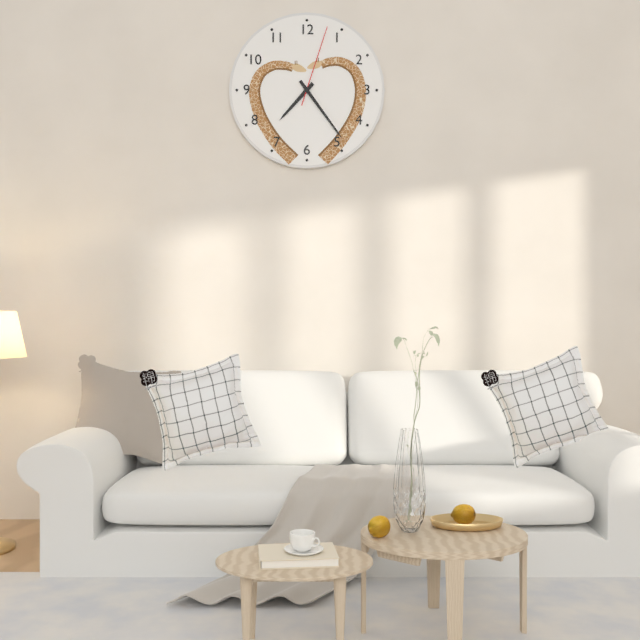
{"hour": 7, "minute": 24, "second": 3}
